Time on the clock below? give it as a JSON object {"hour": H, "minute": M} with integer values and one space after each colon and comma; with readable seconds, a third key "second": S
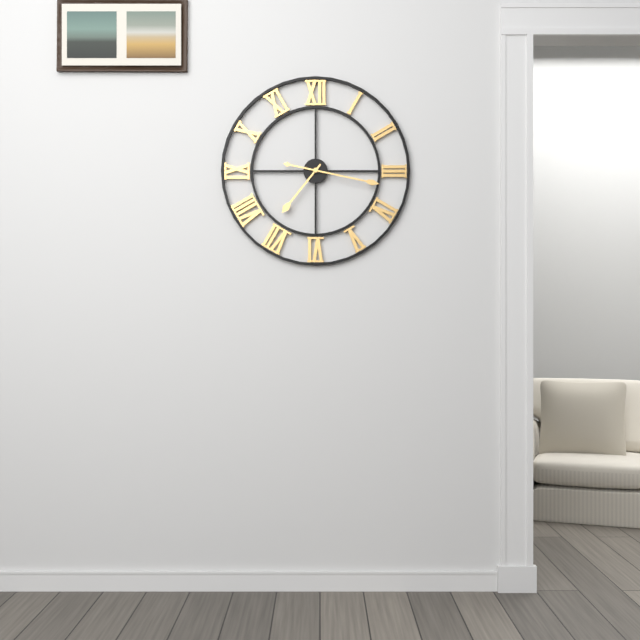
{"hour": 7, "minute": 17}
